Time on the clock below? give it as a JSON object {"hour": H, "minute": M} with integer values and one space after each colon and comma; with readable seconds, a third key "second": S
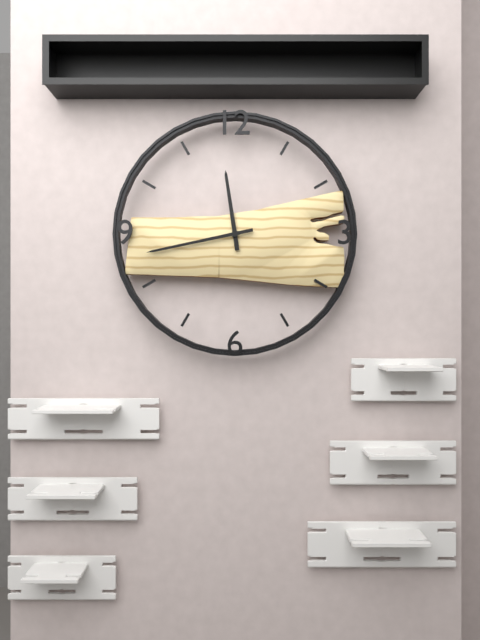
{"hour": 11, "minute": 43}
